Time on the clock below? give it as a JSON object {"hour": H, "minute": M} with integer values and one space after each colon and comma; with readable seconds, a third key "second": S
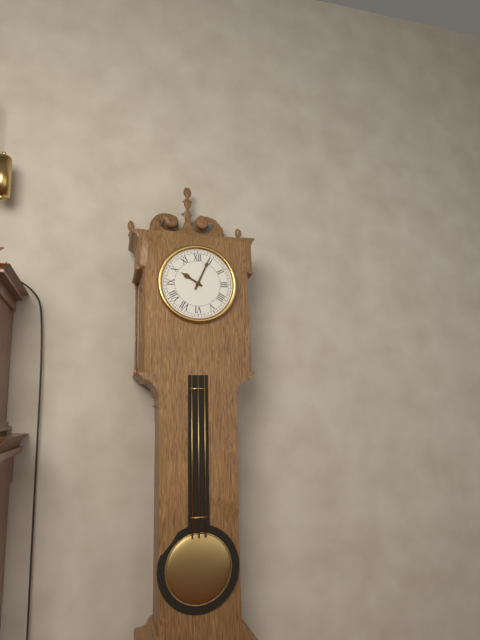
{"hour": 10, "minute": 4}
